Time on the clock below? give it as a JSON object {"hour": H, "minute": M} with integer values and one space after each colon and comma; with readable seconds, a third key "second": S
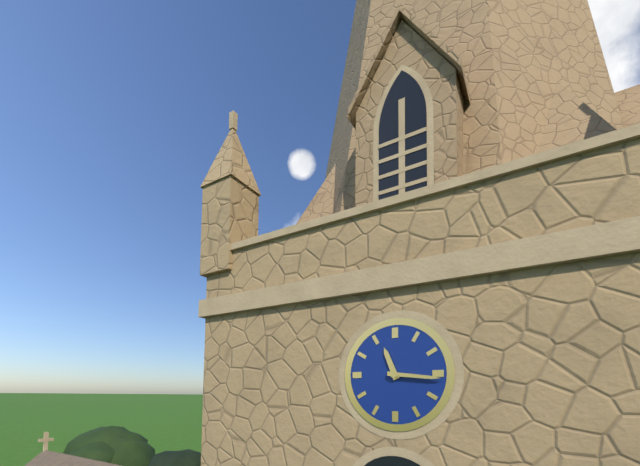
{"hour": 11, "minute": 16}
